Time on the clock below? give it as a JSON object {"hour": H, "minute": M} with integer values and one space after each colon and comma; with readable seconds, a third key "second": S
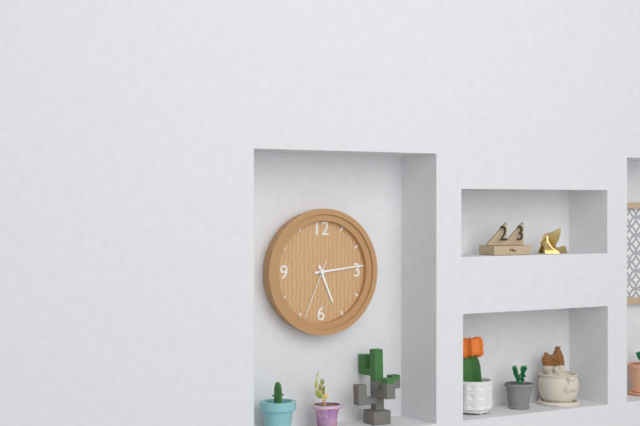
{"hour": 5, "minute": 14, "second": 34}
